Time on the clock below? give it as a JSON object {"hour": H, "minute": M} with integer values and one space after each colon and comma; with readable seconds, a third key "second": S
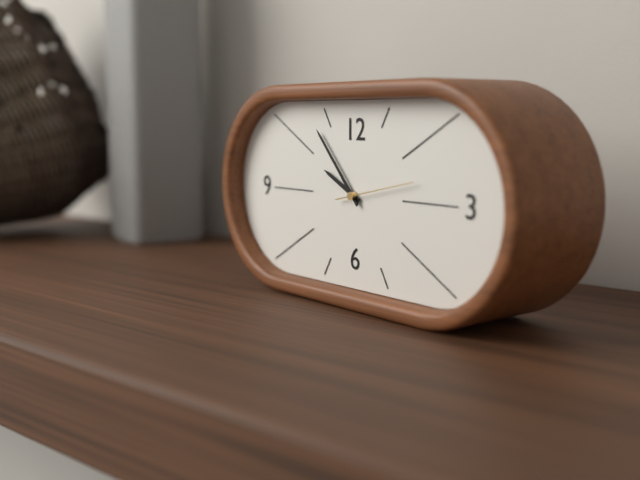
{"hour": 9, "minute": 53, "second": 13}
